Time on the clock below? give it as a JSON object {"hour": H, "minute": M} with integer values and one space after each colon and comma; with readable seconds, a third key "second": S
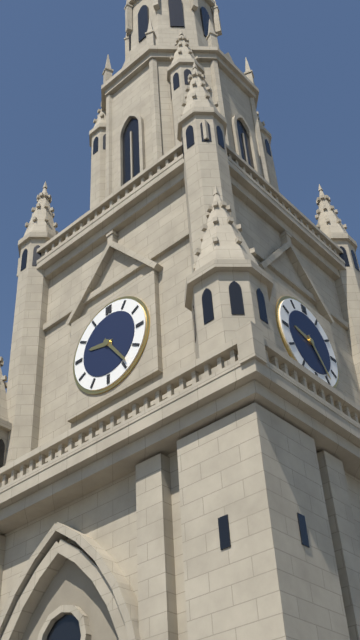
{"hour": 9, "minute": 24}
